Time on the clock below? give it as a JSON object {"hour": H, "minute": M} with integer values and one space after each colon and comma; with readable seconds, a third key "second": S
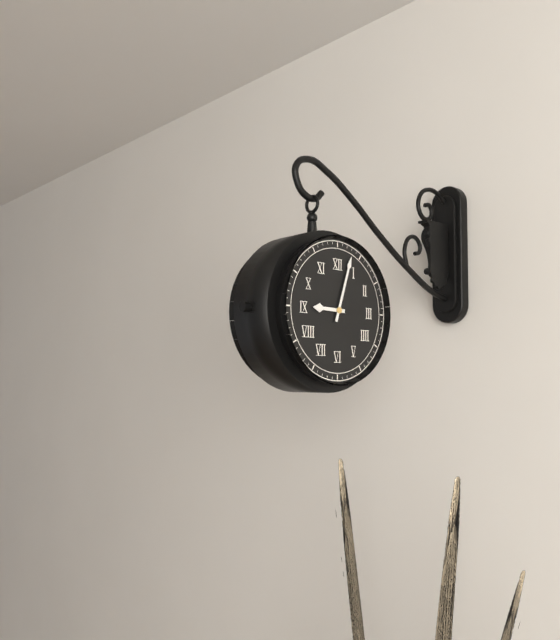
{"hour": 9, "minute": 3}
